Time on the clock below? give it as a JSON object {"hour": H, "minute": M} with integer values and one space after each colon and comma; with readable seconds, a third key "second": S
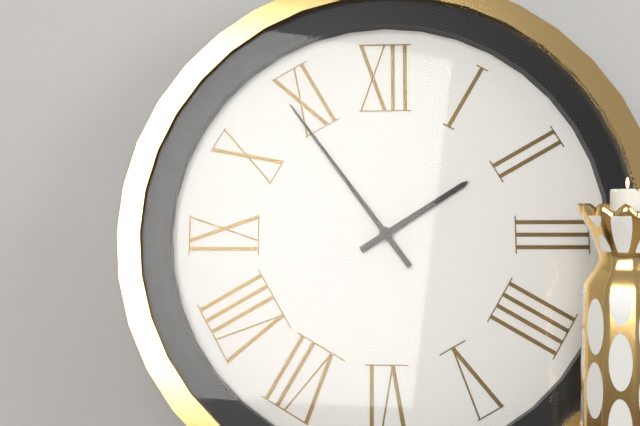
{"hour": 1, "minute": 54}
